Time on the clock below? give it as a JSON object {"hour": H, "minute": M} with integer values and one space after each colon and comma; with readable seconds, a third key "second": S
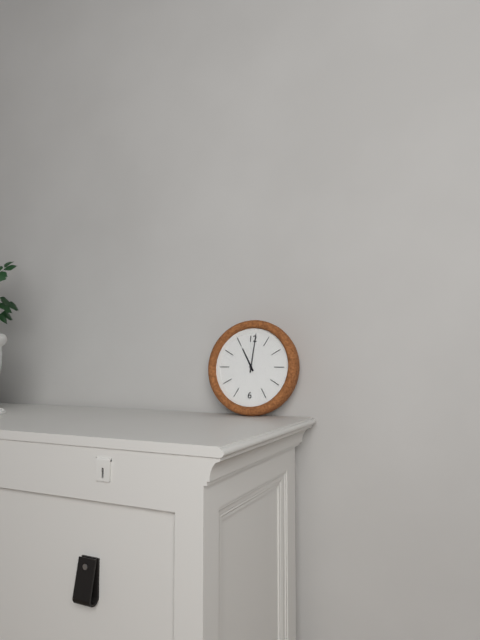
{"hour": 11, "minute": 1}
